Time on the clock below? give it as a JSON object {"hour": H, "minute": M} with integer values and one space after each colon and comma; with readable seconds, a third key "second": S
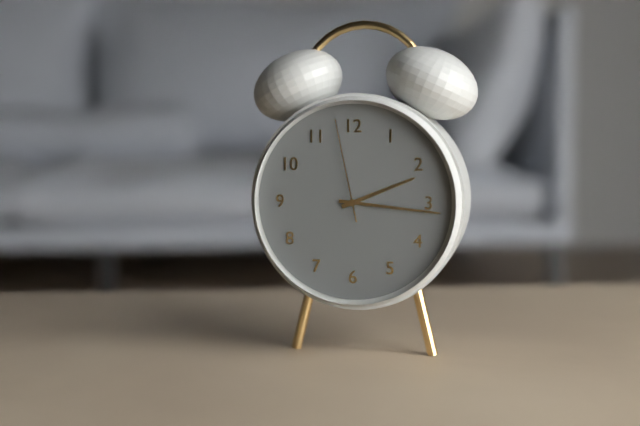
{"hour": 2, "minute": 16, "second": 58}
